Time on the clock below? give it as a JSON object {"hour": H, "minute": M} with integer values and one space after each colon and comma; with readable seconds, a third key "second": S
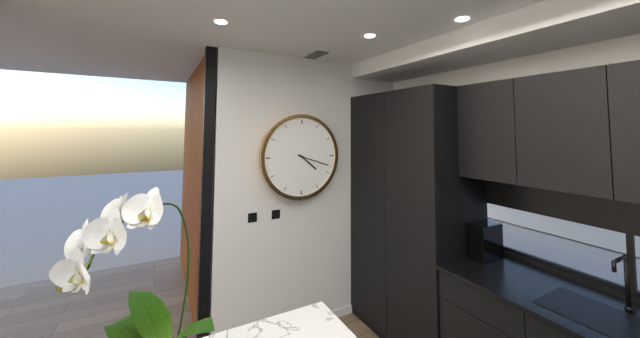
{"hour": 4, "minute": 18}
